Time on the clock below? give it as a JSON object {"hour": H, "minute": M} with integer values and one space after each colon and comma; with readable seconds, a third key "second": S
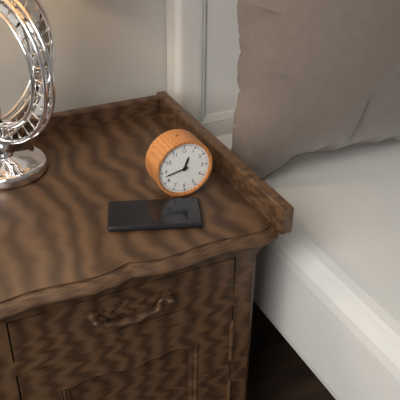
{"hour": 12, "minute": 43}
